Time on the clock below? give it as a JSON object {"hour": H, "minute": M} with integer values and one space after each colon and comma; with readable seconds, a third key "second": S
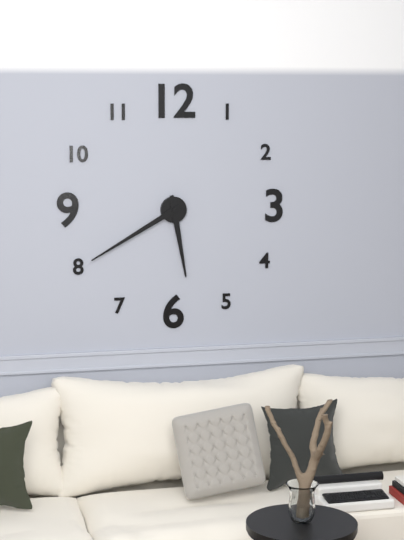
{"hour": 5, "minute": 40}
